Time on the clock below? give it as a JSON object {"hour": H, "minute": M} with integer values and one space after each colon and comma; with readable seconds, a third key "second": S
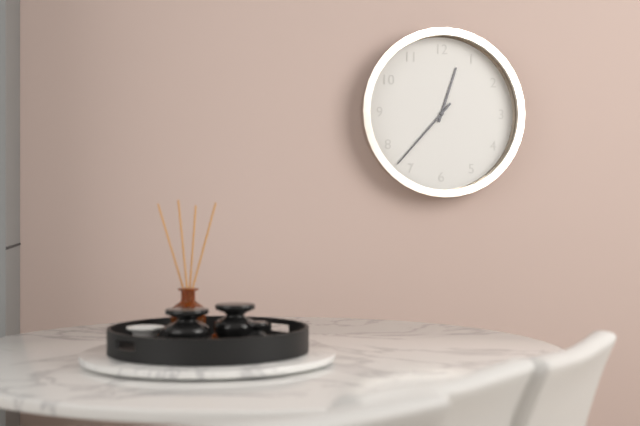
{"hour": 12, "minute": 37}
